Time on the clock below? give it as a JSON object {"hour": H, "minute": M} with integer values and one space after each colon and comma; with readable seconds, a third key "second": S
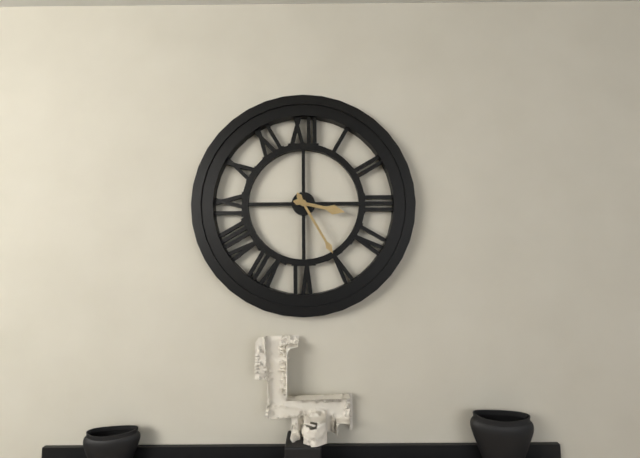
{"hour": 3, "minute": 25}
